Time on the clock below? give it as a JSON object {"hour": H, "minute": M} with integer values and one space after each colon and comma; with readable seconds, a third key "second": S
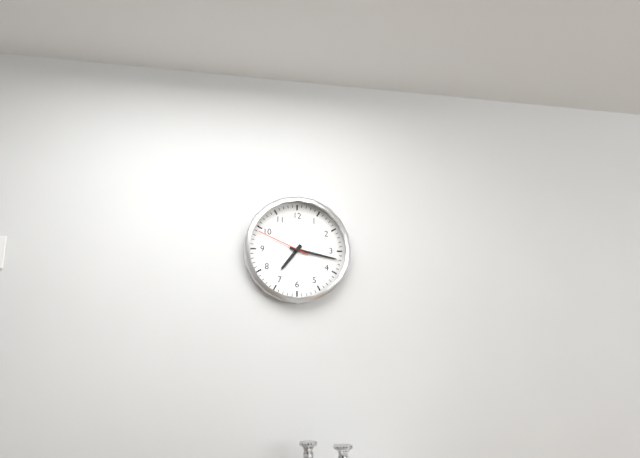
{"hour": 7, "minute": 17, "second": 49}
